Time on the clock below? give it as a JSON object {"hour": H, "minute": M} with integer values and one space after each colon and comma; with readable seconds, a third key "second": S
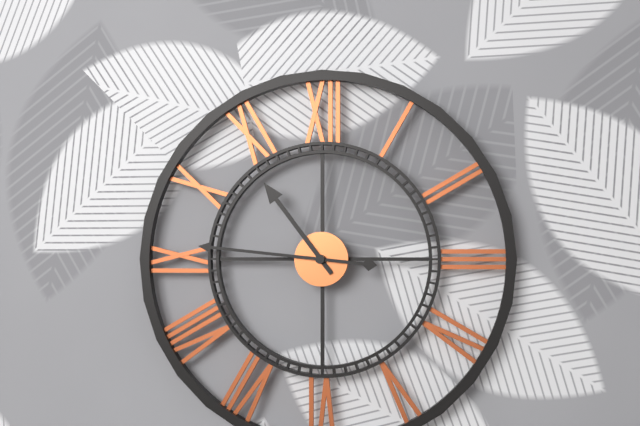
{"hour": 10, "minute": 46}
